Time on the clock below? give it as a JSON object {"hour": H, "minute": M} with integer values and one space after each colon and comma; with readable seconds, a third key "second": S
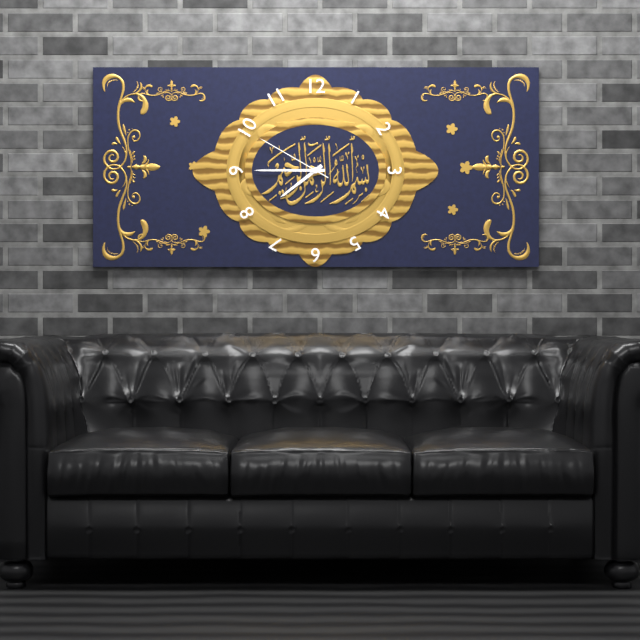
{"hour": 7, "minute": 45, "second": 50}
